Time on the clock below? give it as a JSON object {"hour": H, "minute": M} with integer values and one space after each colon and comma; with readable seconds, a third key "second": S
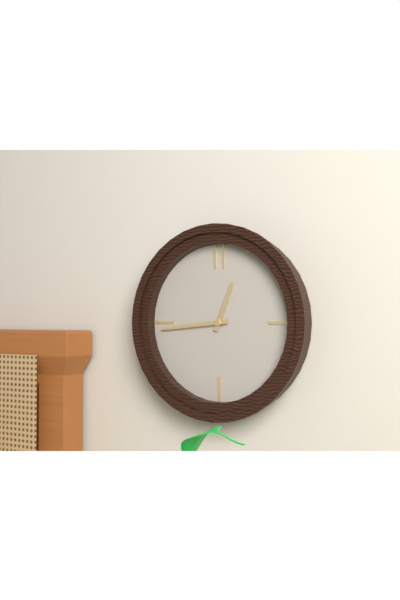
{"hour": 12, "minute": 44}
